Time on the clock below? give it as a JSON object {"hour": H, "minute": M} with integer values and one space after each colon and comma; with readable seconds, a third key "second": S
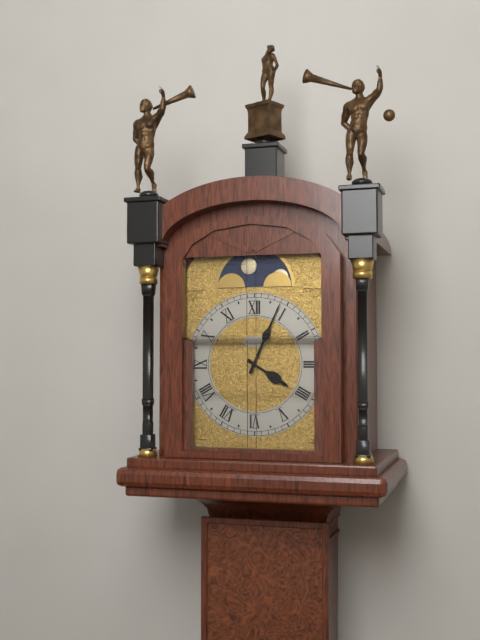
{"hour": 4, "minute": 4}
